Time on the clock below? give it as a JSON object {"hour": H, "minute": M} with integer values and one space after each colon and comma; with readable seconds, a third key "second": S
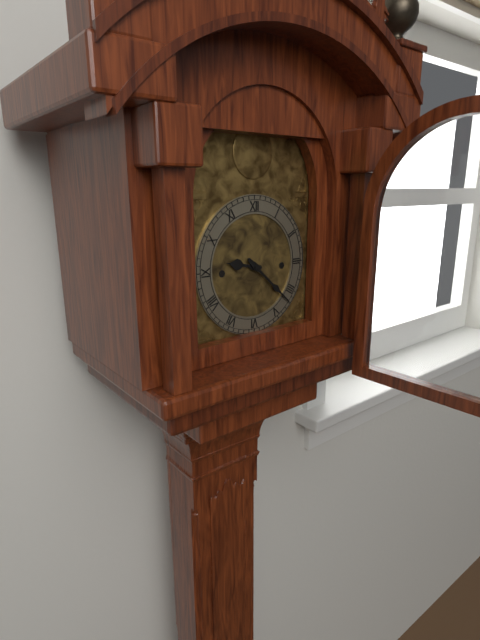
{"hour": 9, "minute": 22}
